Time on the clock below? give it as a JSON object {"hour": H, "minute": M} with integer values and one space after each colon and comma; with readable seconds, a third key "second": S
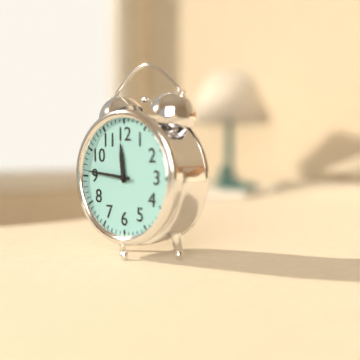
{"hour": 11, "minute": 46}
